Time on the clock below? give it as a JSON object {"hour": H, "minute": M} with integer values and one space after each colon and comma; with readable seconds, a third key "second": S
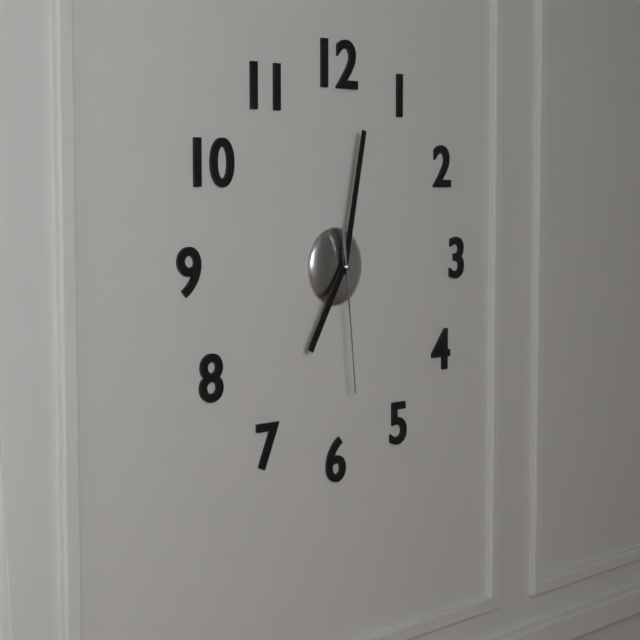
{"hour": 7, "minute": 2, "second": 29}
